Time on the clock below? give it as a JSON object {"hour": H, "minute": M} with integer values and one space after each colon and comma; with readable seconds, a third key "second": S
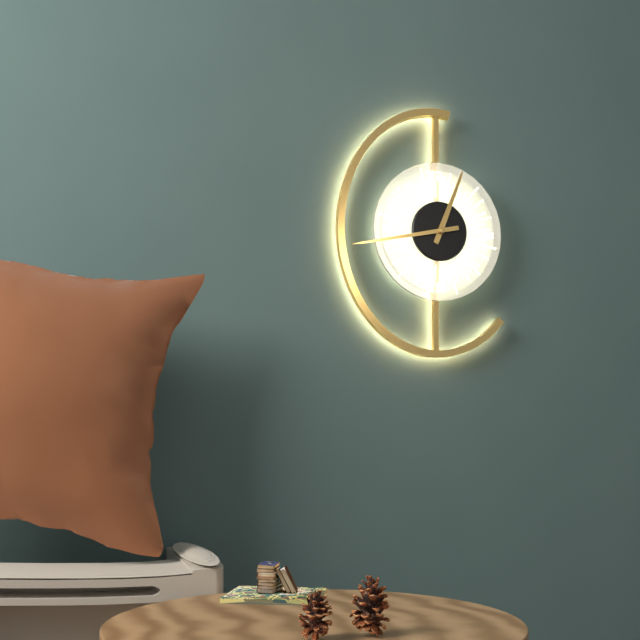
{"hour": 12, "minute": 43}
